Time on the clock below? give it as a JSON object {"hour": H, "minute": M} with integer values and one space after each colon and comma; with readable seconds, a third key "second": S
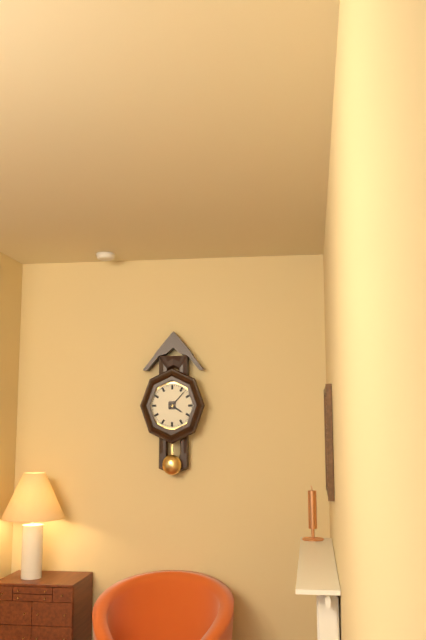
{"hour": 4, "minute": 7}
